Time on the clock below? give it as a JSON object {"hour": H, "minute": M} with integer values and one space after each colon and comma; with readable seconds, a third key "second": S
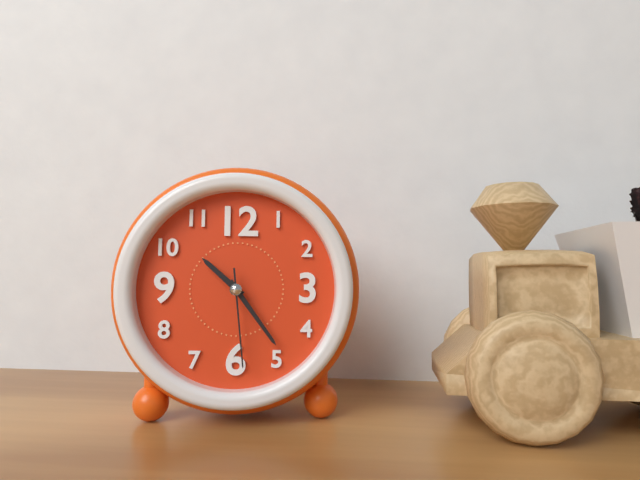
{"hour": 10, "minute": 24, "second": 29}
